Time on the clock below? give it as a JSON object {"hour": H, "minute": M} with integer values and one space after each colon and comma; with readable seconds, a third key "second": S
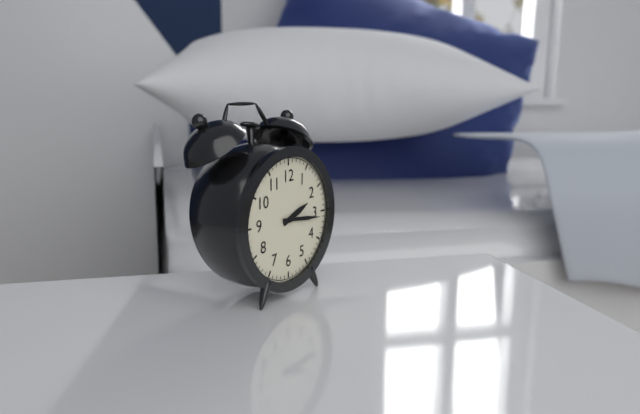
{"hour": 2, "minute": 16}
